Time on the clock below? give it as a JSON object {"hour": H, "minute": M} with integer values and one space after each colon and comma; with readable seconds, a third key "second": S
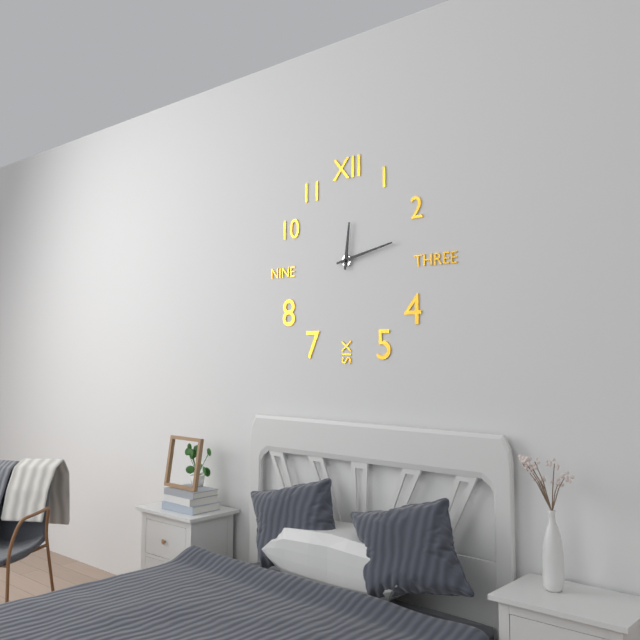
{"hour": 12, "minute": 13}
